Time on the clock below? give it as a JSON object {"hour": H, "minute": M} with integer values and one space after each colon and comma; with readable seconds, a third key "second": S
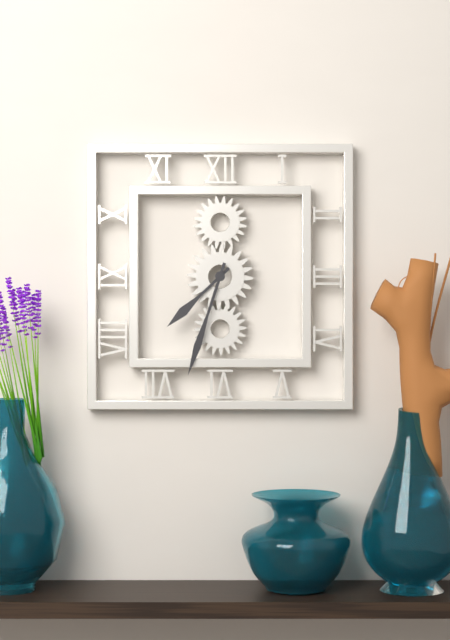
{"hour": 7, "minute": 33}
